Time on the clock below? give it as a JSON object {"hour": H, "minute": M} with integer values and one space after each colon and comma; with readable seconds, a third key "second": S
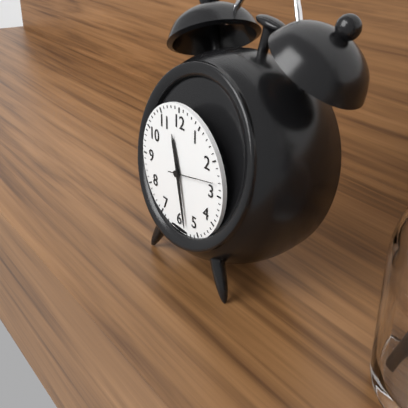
{"hour": 11, "minute": 28}
